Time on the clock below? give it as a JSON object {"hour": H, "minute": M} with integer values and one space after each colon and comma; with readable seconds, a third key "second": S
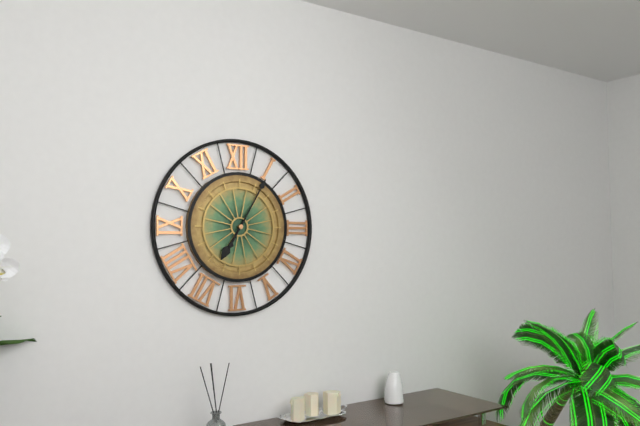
{"hour": 7, "minute": 5}
